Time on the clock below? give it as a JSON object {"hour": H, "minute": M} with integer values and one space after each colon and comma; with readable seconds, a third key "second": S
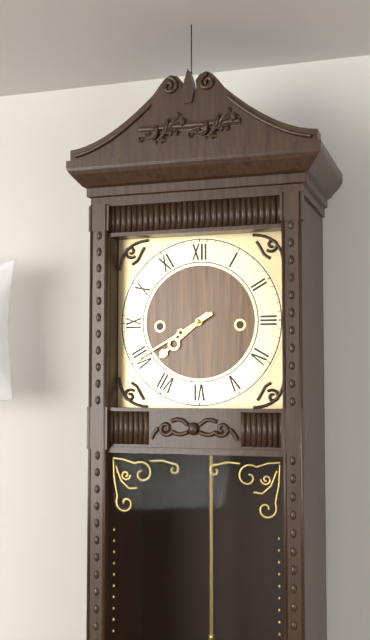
{"hour": 7, "minute": 40}
